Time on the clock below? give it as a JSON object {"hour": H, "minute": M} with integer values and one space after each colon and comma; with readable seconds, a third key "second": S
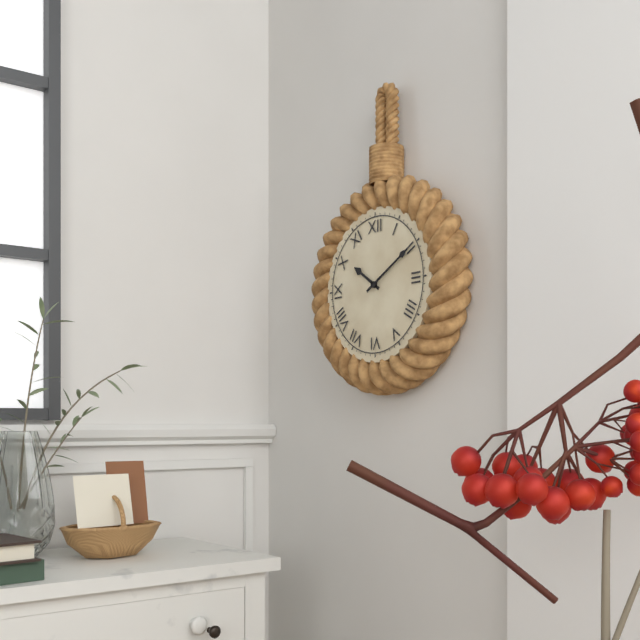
{"hour": 10, "minute": 10}
